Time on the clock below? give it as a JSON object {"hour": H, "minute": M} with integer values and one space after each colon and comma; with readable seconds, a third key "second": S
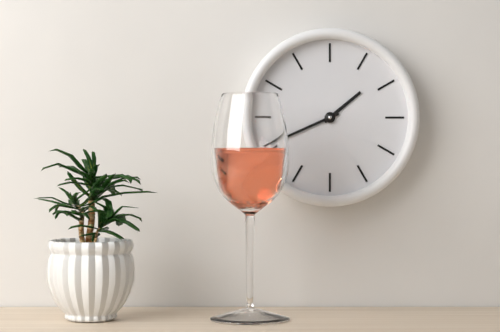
{"hour": 1, "minute": 41}
